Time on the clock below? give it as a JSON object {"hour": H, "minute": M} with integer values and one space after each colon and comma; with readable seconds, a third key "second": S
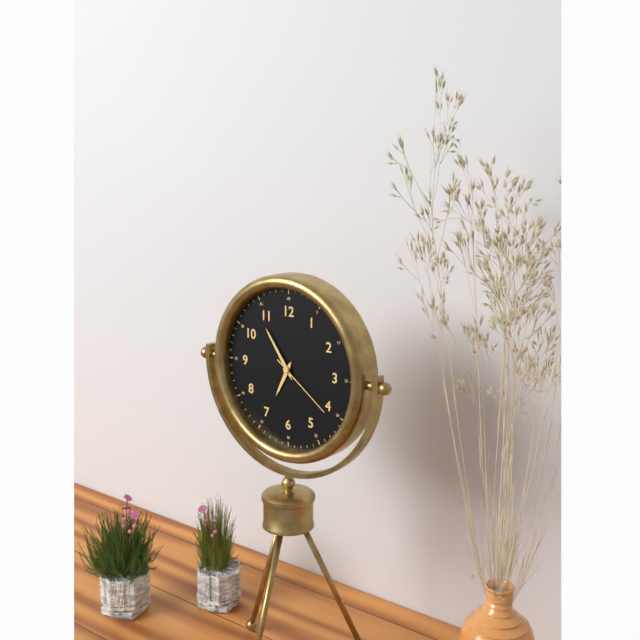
{"hour": 6, "minute": 54, "second": 21}
